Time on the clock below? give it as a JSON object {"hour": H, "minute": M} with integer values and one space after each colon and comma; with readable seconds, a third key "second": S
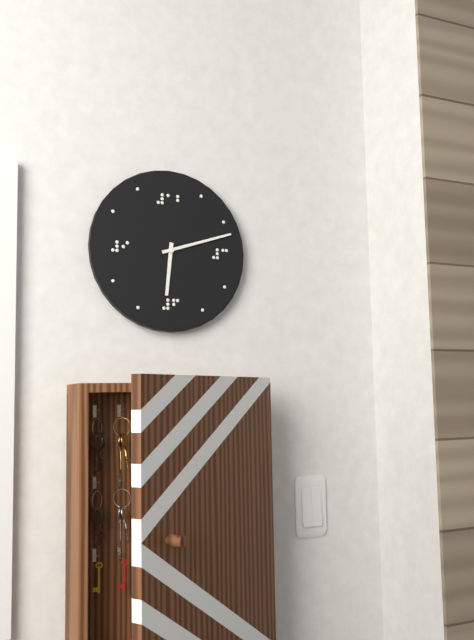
{"hour": 6, "minute": 12}
